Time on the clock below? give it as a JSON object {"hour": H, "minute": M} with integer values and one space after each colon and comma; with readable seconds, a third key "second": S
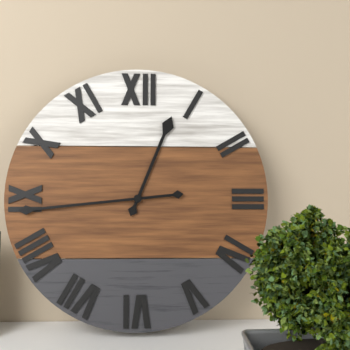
{"hour": 12, "minute": 44}
